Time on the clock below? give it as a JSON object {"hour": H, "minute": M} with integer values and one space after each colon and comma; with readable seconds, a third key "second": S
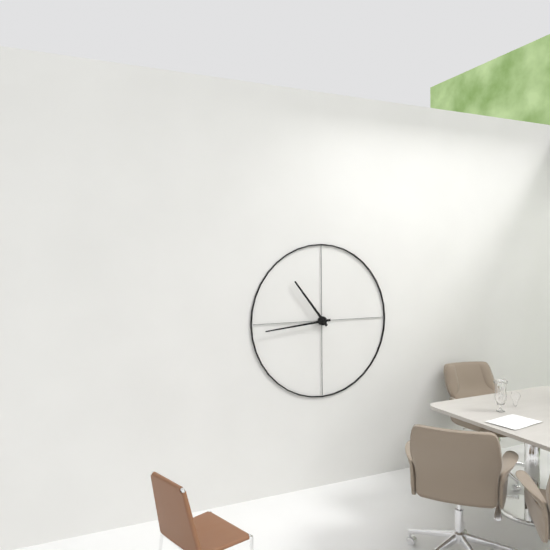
{"hour": 10, "minute": 44}
